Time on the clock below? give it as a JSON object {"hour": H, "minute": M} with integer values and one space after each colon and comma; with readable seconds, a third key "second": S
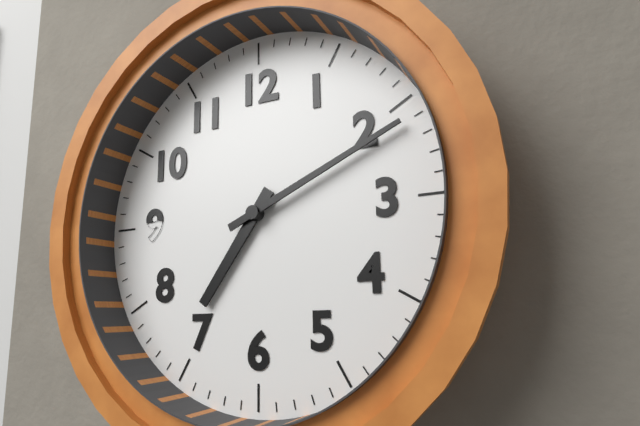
{"hour": 7, "minute": 11}
